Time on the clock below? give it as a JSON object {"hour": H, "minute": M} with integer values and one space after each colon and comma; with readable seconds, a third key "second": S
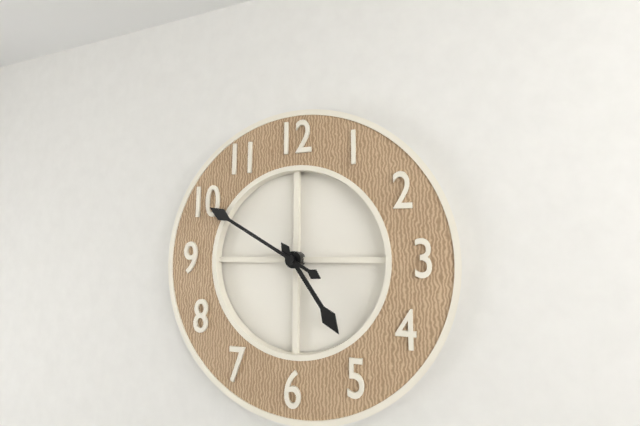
{"hour": 4, "minute": 50}
